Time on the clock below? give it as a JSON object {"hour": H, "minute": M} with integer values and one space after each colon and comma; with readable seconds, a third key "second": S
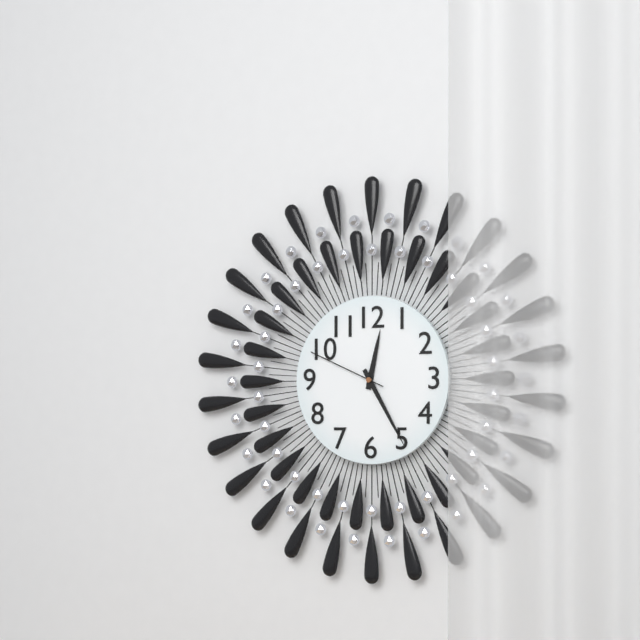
{"hour": 12, "minute": 25, "second": 49}
